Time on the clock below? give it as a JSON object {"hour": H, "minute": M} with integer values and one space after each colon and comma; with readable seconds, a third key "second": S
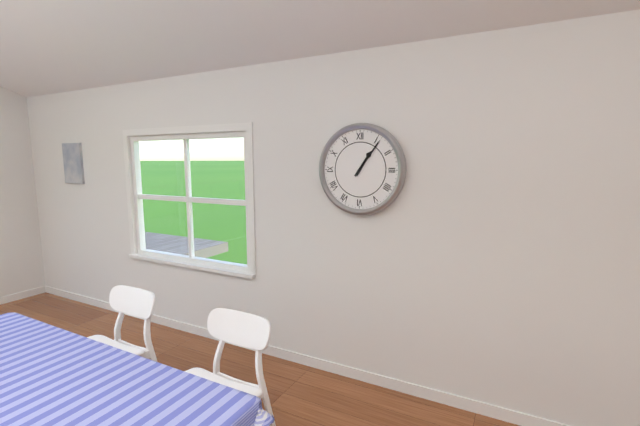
{"hour": 1, "minute": 6}
